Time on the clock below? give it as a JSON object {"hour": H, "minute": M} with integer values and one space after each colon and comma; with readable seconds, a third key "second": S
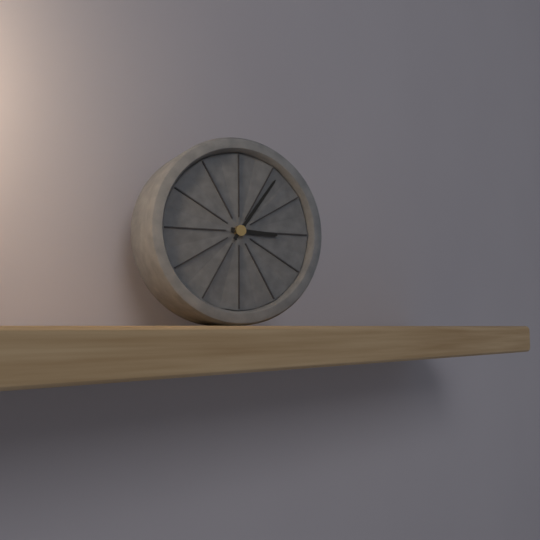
{"hour": 3, "minute": 6}
